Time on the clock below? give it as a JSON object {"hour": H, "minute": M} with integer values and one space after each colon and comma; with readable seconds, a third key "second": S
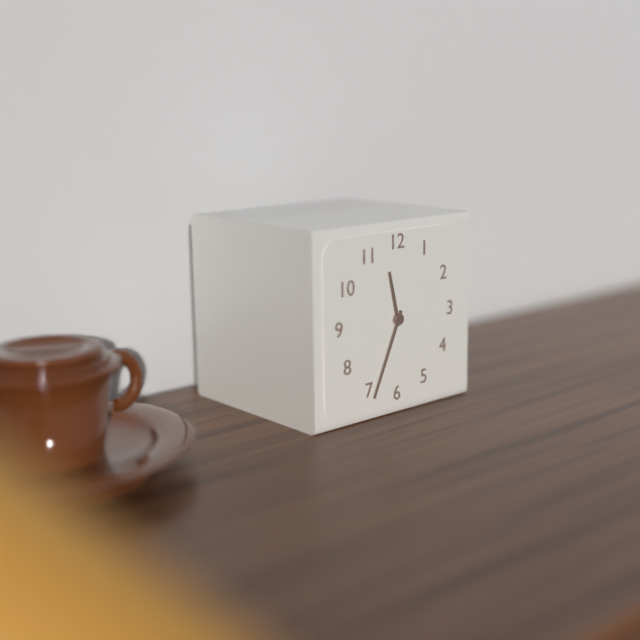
{"hour": 11, "minute": 34}
